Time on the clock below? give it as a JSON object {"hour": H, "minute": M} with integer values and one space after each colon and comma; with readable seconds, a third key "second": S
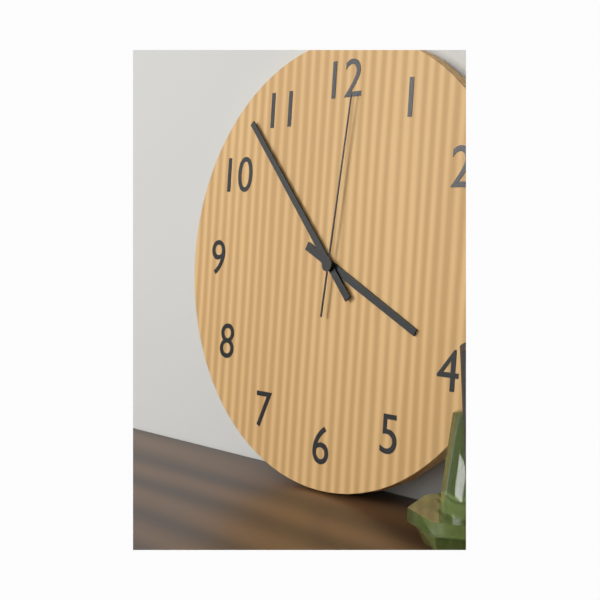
{"hour": 3, "minute": 53, "second": 1}
